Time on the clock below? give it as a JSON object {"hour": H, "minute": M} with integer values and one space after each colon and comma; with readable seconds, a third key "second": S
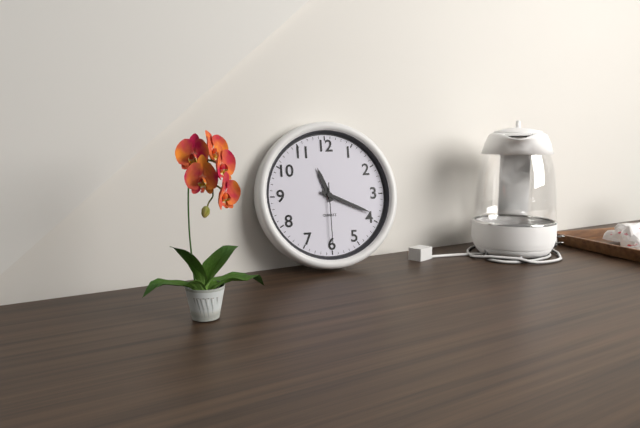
{"hour": 11, "minute": 19, "second": 30}
